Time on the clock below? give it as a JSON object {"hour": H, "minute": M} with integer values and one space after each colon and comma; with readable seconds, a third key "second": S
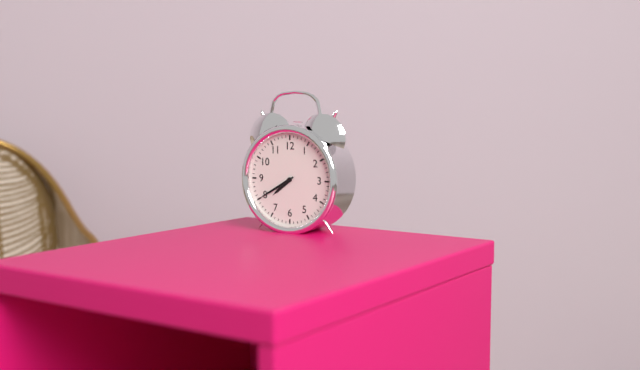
{"hour": 7, "minute": 40}
